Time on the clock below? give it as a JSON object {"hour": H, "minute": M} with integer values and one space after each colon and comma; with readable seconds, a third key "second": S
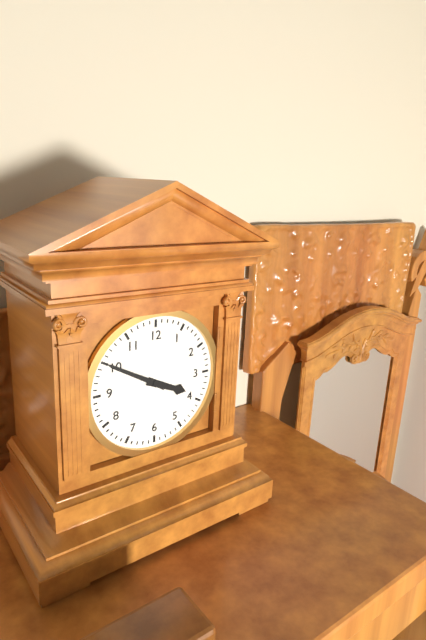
{"hour": 3, "minute": 50}
